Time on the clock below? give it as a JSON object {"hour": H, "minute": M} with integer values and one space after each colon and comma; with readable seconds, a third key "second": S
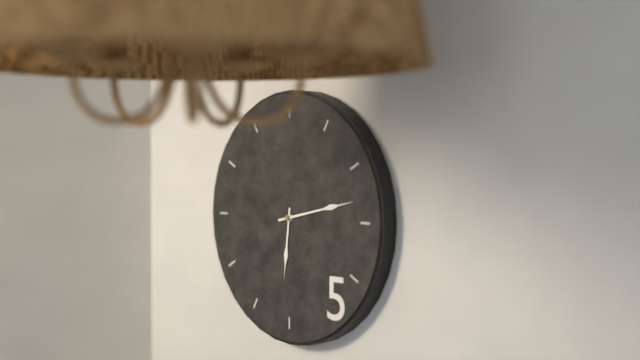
{"hour": 6, "minute": 13}
